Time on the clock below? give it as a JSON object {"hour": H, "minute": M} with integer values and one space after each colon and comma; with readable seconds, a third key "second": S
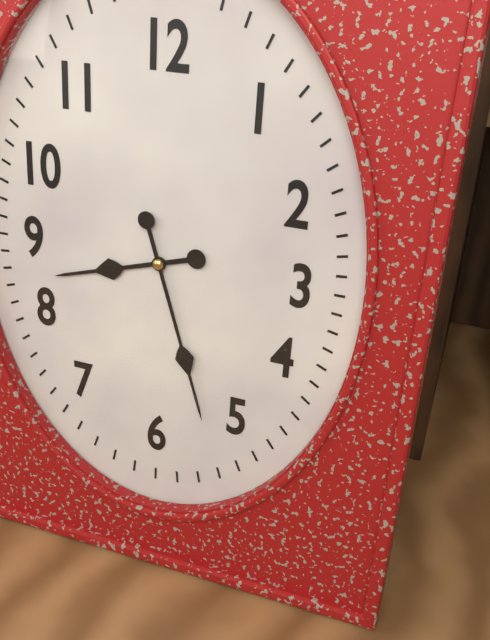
{"hour": 8, "minute": 27}
